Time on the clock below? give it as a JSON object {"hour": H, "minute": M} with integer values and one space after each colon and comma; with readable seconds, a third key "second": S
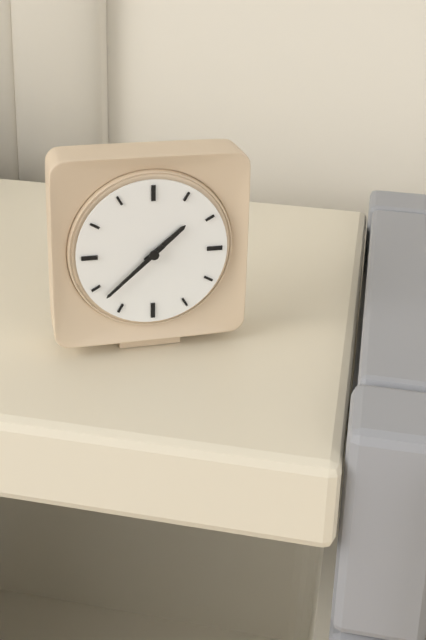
{"hour": 1, "minute": 38}
